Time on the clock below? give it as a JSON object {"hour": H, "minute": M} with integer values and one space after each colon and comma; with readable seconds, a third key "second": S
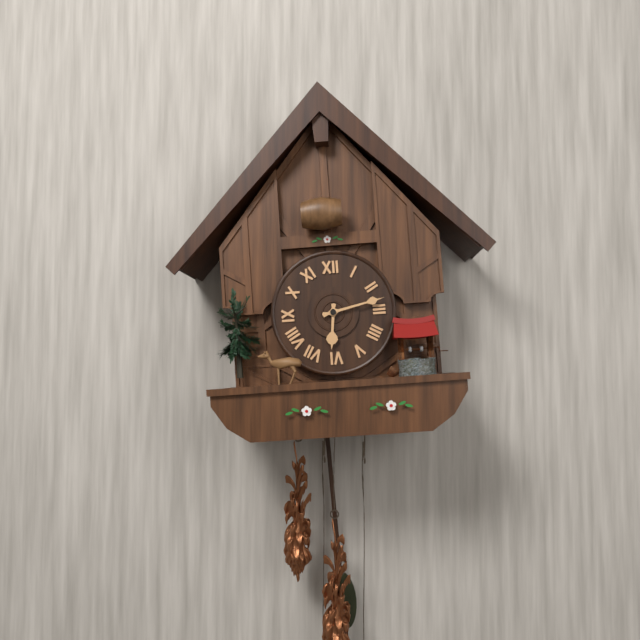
{"hour": 6, "minute": 13}
